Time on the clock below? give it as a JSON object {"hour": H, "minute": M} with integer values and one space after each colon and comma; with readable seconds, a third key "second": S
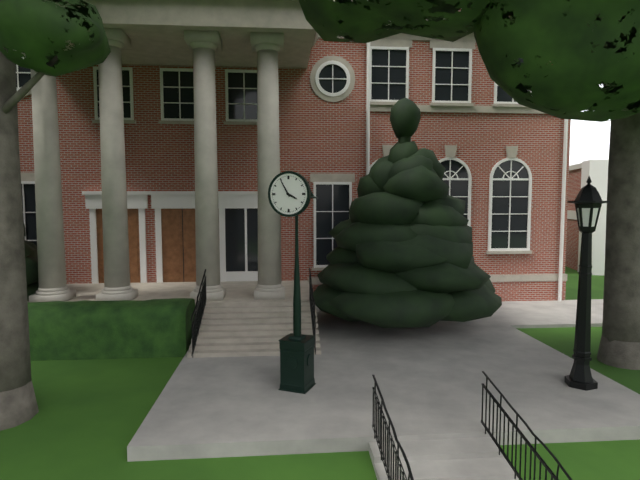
{"hour": 3, "minute": 55}
